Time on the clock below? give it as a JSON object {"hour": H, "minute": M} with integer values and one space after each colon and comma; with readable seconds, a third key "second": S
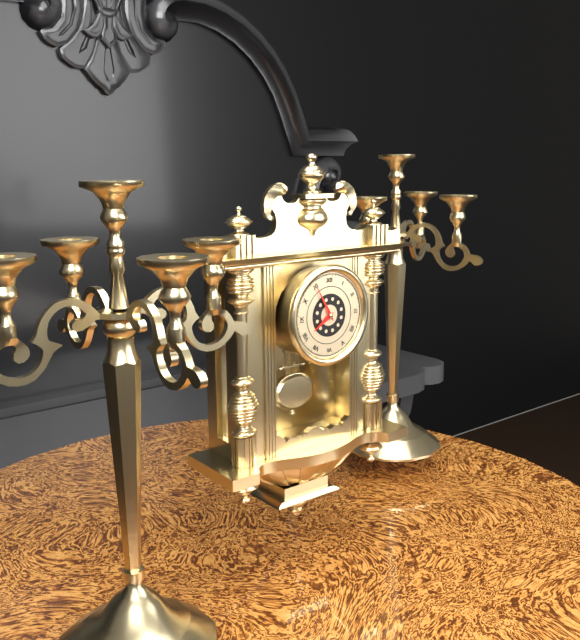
{"hour": 7, "minute": 55}
